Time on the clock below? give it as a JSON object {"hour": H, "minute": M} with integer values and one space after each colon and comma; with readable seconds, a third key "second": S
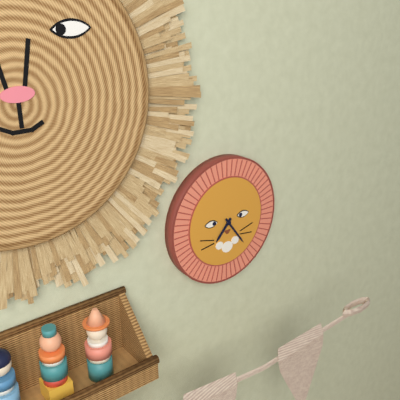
{"hour": 7, "minute": 24}
